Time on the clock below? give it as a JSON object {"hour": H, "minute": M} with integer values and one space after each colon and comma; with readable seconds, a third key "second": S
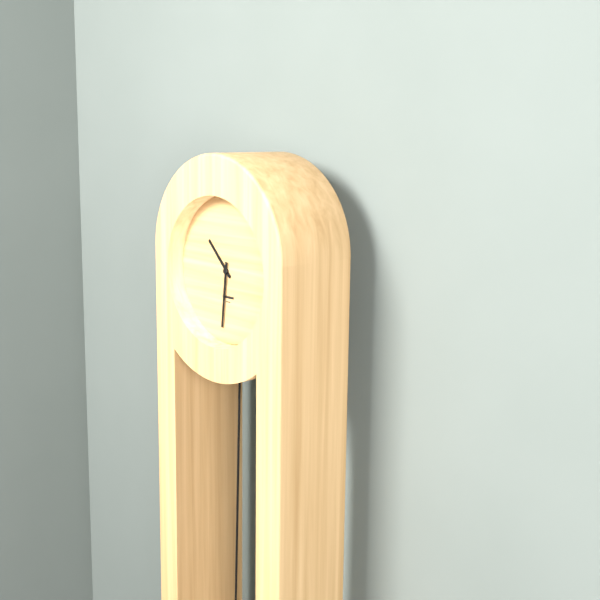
{"hour": 10, "minute": 31}
